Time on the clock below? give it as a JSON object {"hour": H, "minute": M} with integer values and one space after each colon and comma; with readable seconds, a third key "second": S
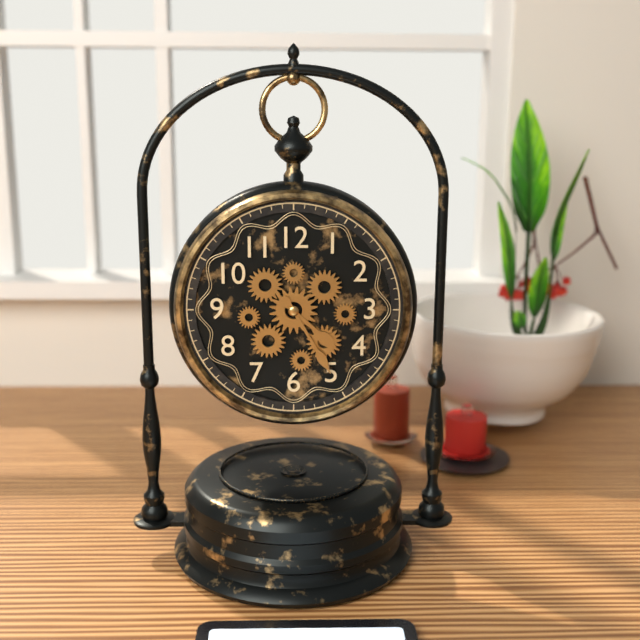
{"hour": 4, "minute": 25}
